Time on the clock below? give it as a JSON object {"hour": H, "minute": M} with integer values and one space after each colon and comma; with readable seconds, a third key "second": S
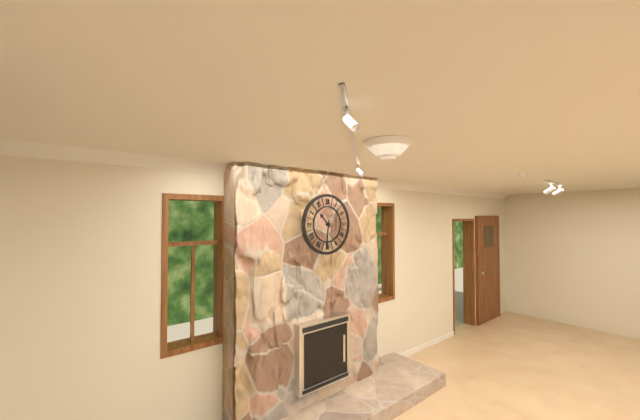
{"hour": 10, "minute": 31}
